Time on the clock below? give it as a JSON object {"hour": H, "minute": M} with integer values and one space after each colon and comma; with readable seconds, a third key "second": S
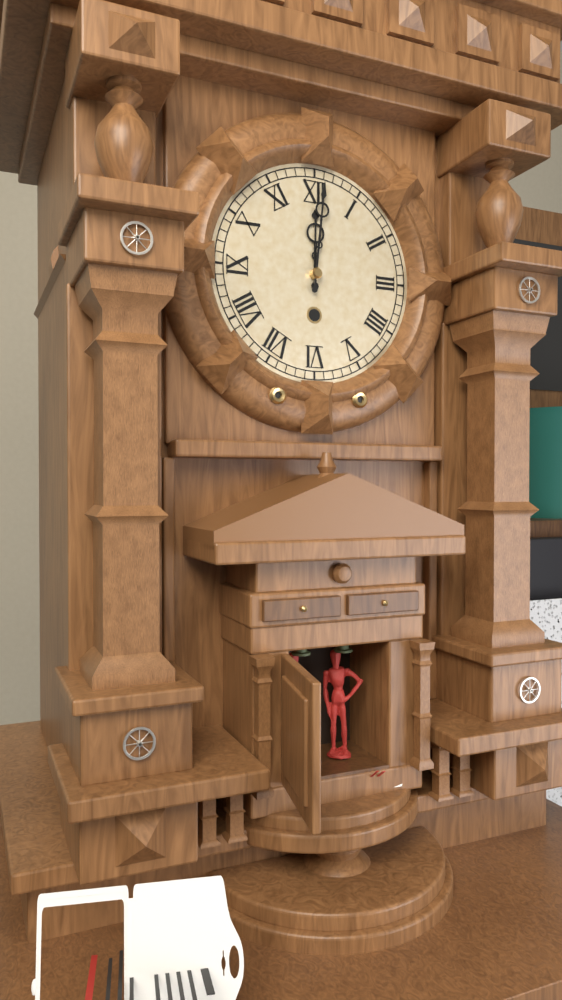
{"hour": 12, "minute": 1}
